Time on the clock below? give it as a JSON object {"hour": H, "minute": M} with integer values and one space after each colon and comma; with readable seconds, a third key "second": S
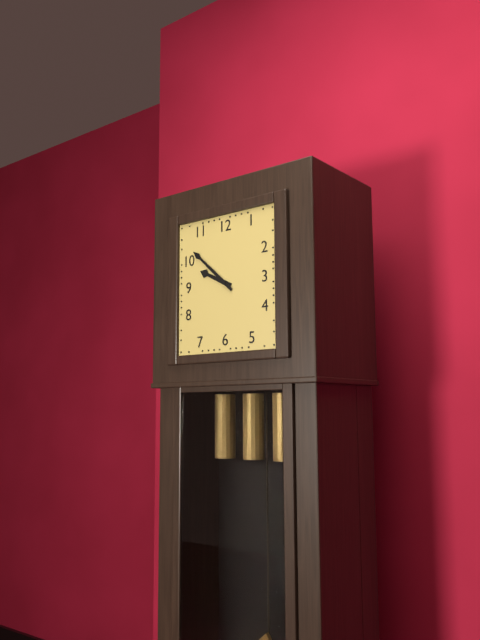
{"hour": 9, "minute": 52}
